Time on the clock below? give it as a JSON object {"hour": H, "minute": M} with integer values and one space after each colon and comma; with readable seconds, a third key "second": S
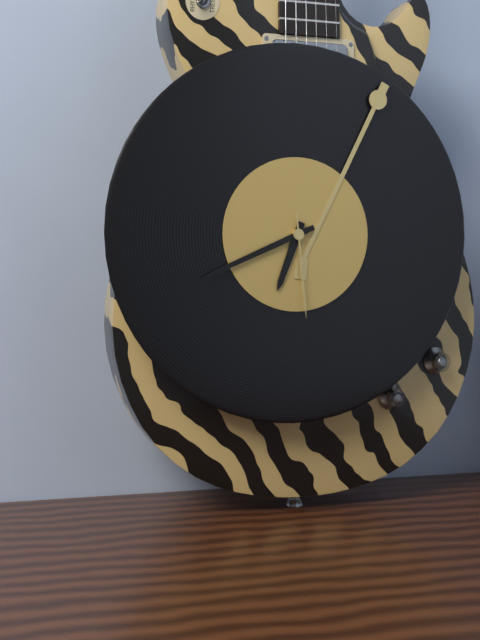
{"hour": 6, "minute": 41, "second": 29}
